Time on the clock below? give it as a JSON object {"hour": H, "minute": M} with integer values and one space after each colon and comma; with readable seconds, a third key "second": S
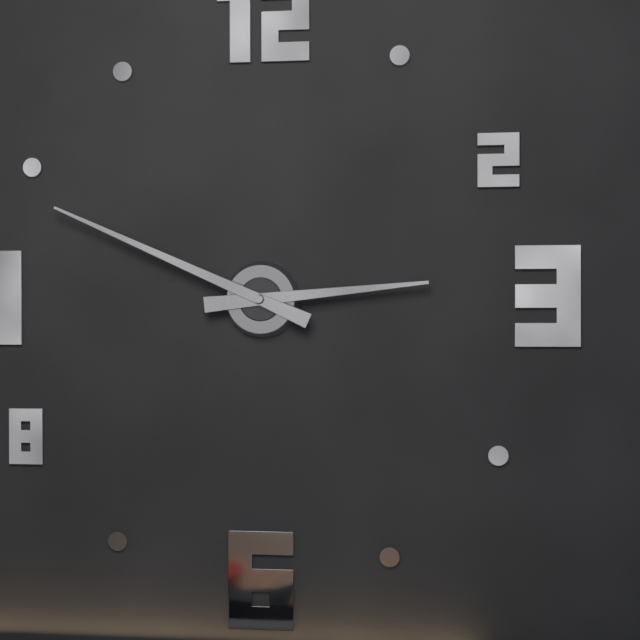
{"hour": 2, "minute": 49}
